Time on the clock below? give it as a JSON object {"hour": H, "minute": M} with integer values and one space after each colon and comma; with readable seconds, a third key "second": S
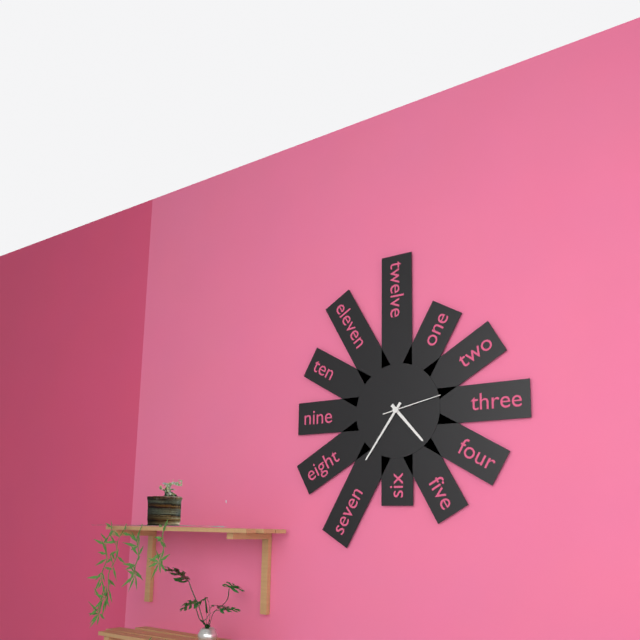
{"hour": 4, "minute": 36, "second": 13}
